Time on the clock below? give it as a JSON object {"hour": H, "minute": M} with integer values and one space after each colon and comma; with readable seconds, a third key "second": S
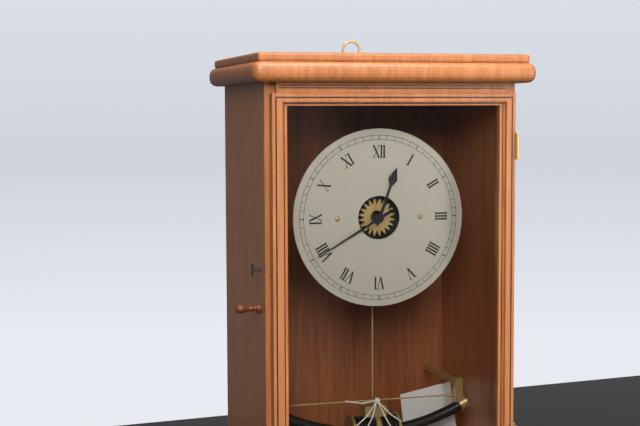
{"hour": 12, "minute": 40}
